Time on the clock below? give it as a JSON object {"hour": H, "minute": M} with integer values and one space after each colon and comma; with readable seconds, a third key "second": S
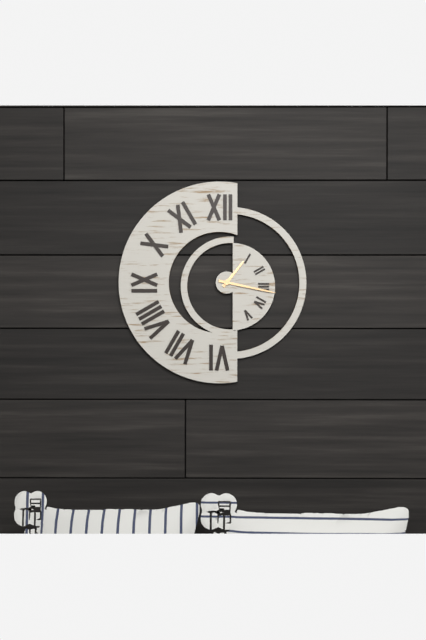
{"hour": 1, "minute": 17}
